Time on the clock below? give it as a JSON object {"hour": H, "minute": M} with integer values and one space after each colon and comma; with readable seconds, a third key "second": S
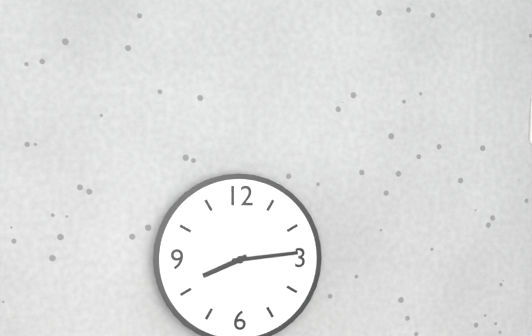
{"hour": 8, "minute": 14}
